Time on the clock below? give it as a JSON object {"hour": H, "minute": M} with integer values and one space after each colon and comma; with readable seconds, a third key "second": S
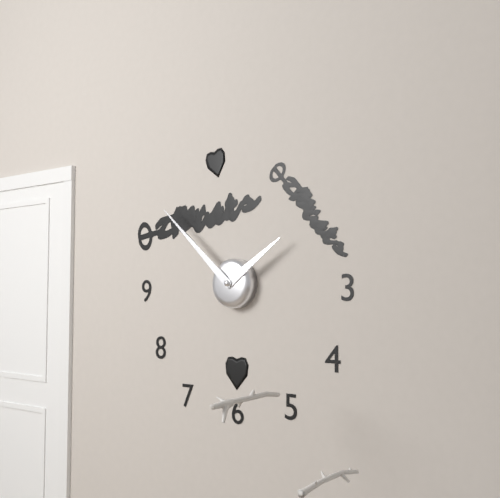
{"hour": 1, "minute": 52}
